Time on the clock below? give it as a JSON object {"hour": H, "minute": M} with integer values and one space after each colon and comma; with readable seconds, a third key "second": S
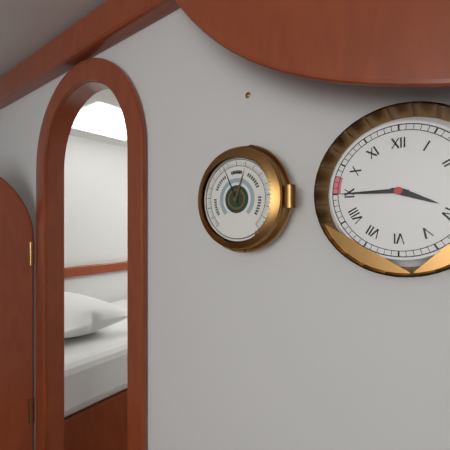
{"hour": 3, "minute": 45}
